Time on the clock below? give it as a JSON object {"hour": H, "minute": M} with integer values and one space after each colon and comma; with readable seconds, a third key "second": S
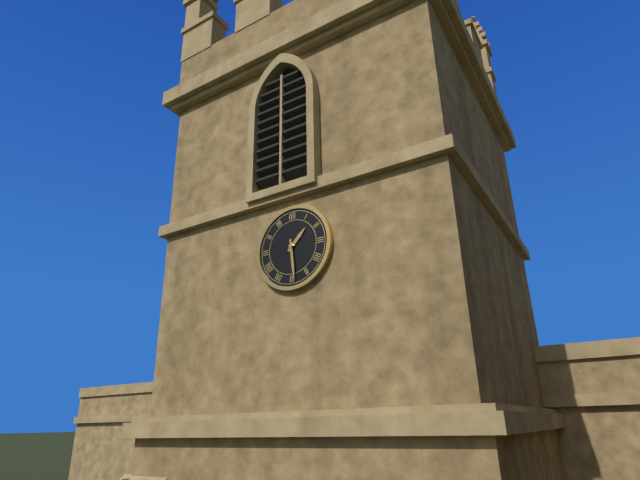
{"hour": 1, "minute": 29}
